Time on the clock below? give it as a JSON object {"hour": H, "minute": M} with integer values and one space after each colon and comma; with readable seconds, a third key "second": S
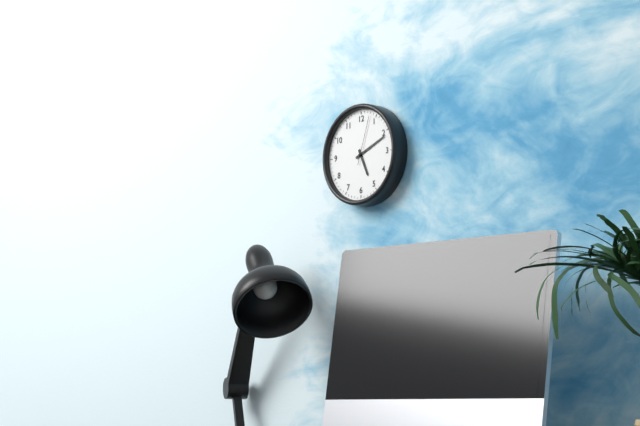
{"hour": 5, "minute": 11, "second": 3}
